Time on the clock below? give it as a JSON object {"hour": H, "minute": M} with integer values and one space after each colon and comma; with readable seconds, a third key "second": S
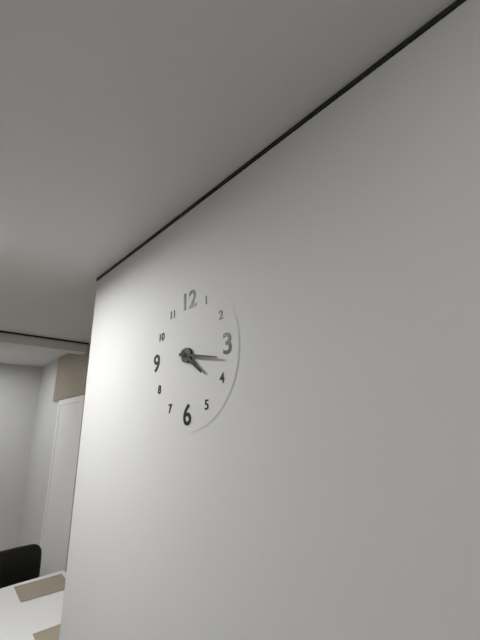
{"hour": 4, "minute": 17}
